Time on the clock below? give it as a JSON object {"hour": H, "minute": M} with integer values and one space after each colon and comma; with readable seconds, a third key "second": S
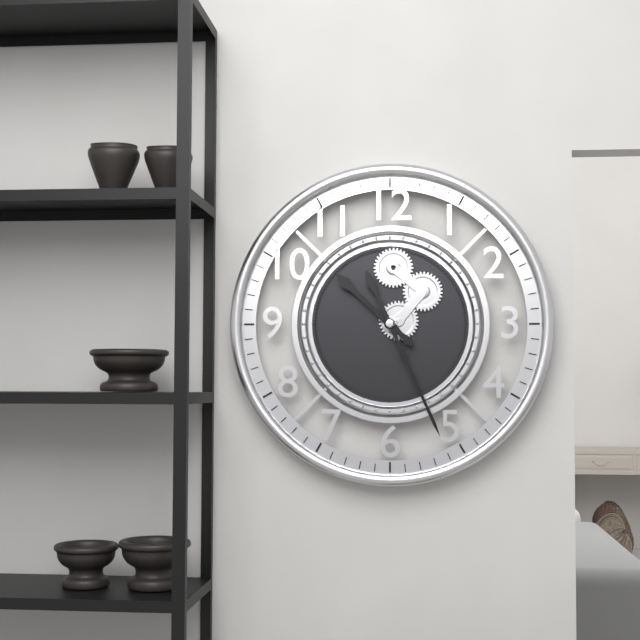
{"hour": 10, "minute": 26}
